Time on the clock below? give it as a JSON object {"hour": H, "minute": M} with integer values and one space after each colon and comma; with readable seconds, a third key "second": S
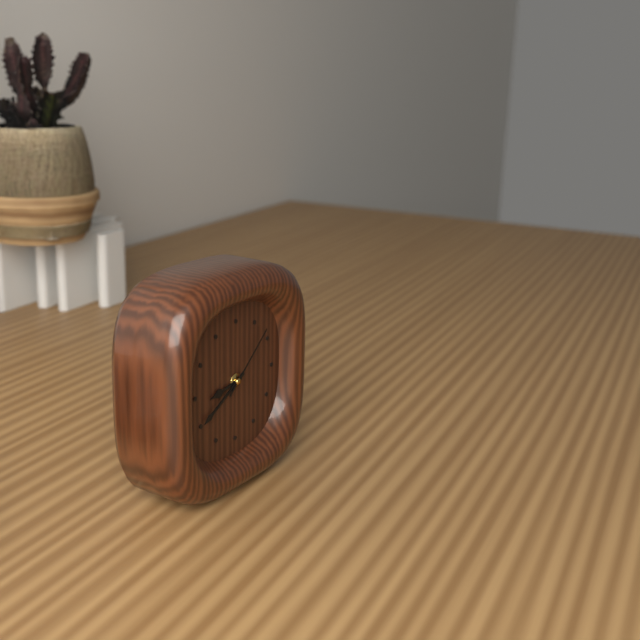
{"hour": 8, "minute": 40, "second": 8}
